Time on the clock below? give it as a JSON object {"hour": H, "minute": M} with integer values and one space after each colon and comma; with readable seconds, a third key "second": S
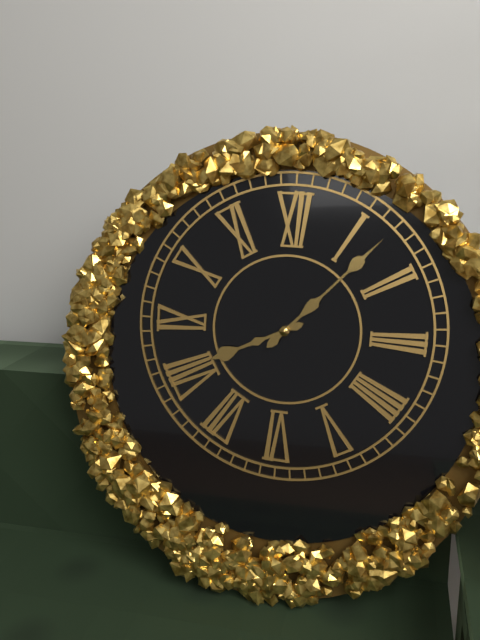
{"hour": 8, "minute": 7}
